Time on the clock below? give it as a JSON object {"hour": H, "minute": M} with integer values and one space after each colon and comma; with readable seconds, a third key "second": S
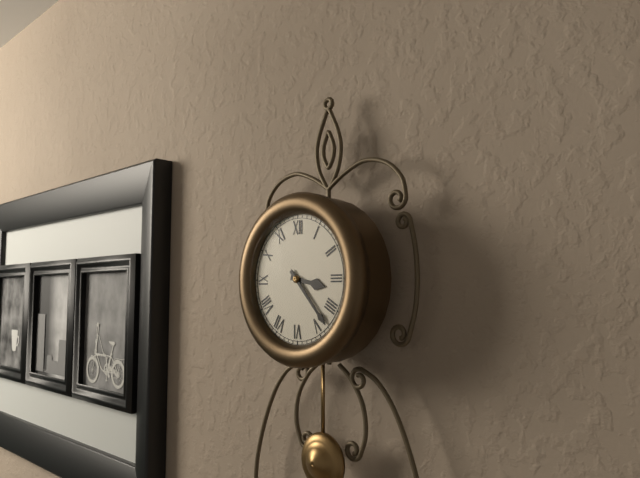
{"hour": 3, "minute": 23}
